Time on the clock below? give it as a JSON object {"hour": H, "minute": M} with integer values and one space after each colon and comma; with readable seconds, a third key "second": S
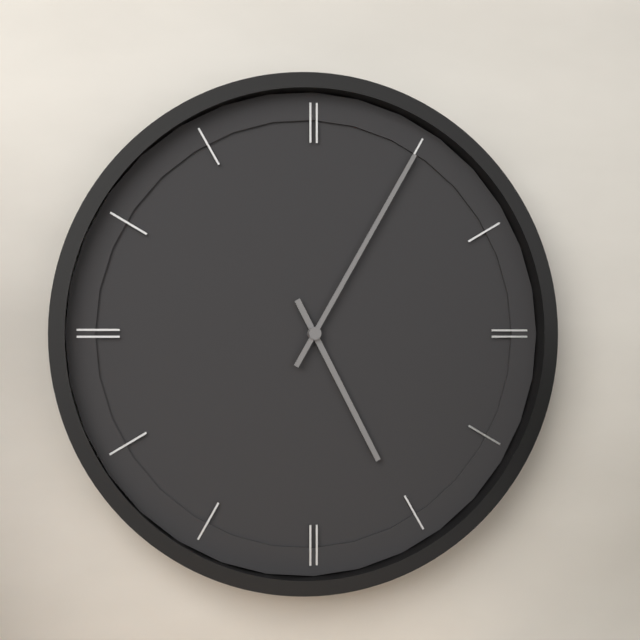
{"hour": 5, "minute": 5}
